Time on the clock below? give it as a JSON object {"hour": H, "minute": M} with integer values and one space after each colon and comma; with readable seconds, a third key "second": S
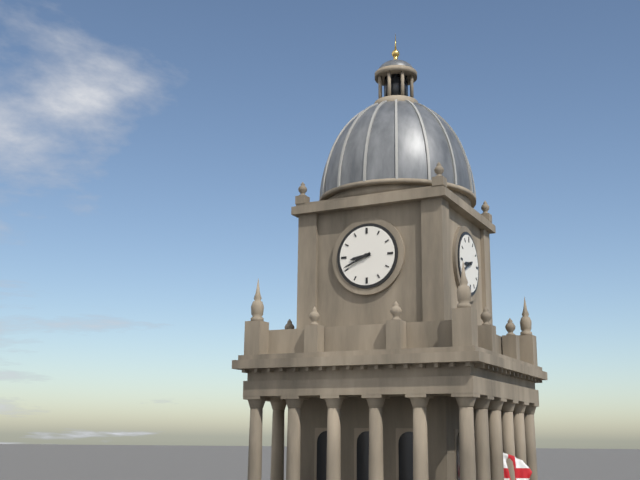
{"hour": 8, "minute": 41}
